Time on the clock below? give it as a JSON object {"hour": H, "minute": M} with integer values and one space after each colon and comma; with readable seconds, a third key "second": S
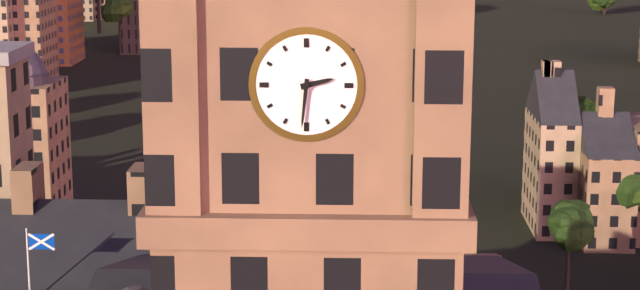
{"hour": 2, "minute": 31}
